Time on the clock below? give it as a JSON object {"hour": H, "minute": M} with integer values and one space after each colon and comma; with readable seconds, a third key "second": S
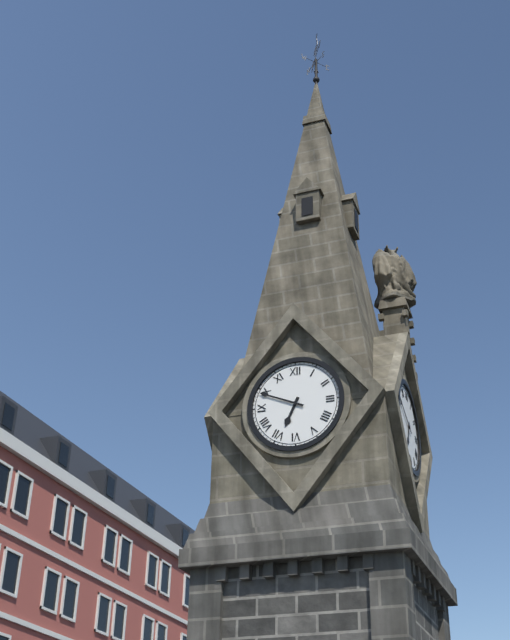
{"hour": 6, "minute": 49}
